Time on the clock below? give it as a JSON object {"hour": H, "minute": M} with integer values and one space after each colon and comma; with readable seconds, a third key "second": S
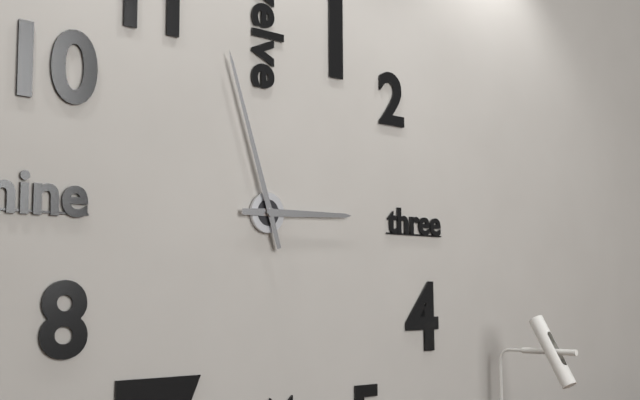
{"hour": 2, "minute": 57}
